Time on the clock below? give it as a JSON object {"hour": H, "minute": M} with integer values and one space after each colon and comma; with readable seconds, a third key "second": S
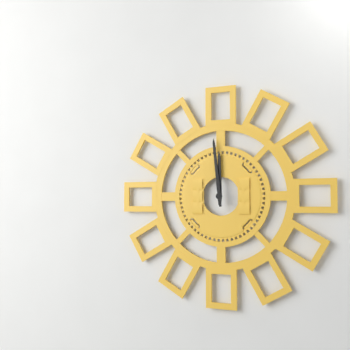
{"hour": 11, "minute": 59}
